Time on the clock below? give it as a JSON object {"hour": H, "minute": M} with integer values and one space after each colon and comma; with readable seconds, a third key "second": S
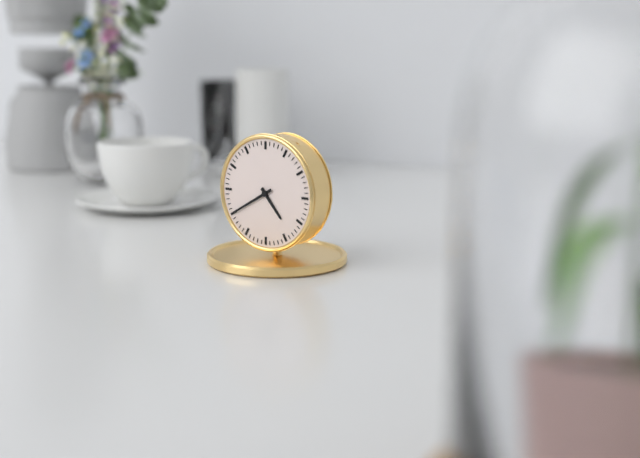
{"hour": 4, "minute": 40}
